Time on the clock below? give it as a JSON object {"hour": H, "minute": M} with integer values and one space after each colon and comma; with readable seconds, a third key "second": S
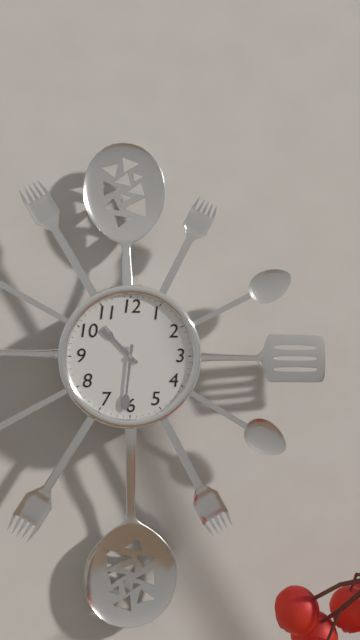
{"hour": 10, "minute": 31}
